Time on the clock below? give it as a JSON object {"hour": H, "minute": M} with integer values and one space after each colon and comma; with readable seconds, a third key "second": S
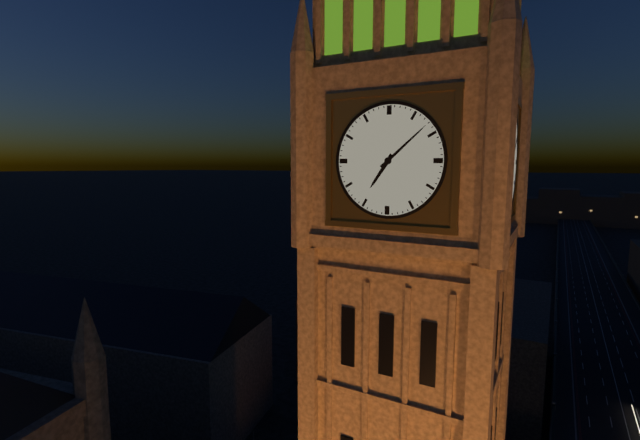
{"hour": 7, "minute": 8}
